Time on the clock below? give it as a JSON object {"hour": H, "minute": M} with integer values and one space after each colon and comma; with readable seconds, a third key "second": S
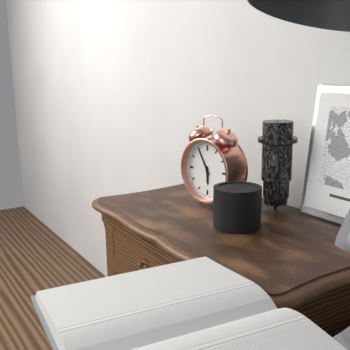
{"hour": 5, "minute": 55}
